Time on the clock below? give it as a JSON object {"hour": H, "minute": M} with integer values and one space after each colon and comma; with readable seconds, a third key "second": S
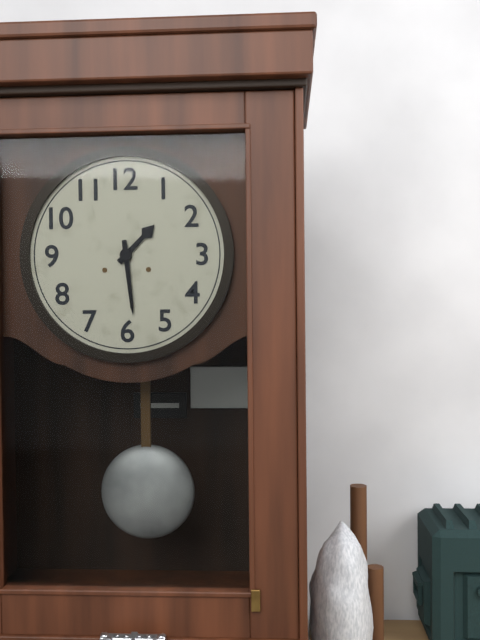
{"hour": 1, "minute": 29}
